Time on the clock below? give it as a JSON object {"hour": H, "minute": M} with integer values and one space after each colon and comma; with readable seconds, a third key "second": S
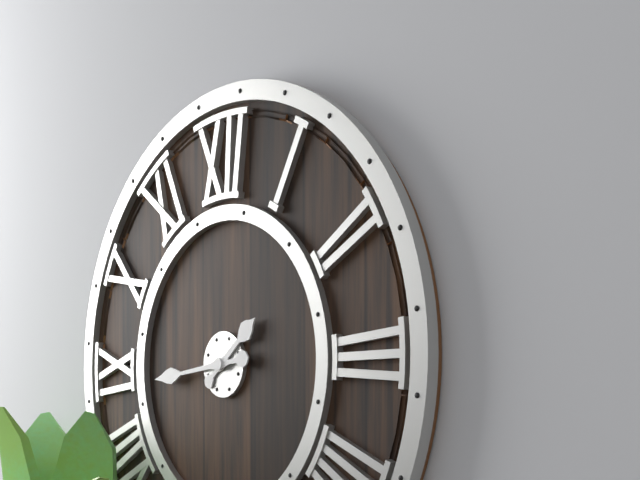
{"hour": 1, "minute": 44}
